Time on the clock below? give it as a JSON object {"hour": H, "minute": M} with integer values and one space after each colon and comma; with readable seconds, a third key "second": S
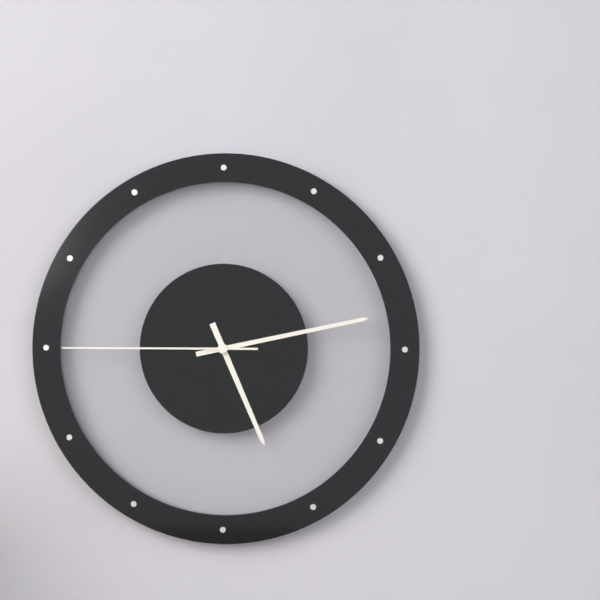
{"hour": 5, "minute": 13, "second": 45}
